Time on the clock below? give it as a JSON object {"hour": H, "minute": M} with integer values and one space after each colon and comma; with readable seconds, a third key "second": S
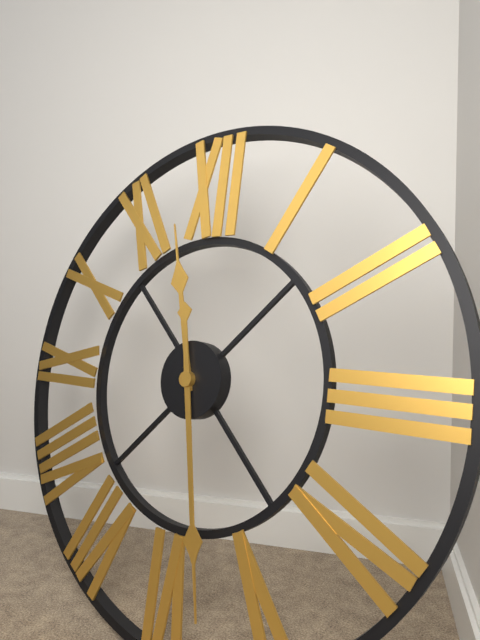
{"hour": 11, "minute": 28}
